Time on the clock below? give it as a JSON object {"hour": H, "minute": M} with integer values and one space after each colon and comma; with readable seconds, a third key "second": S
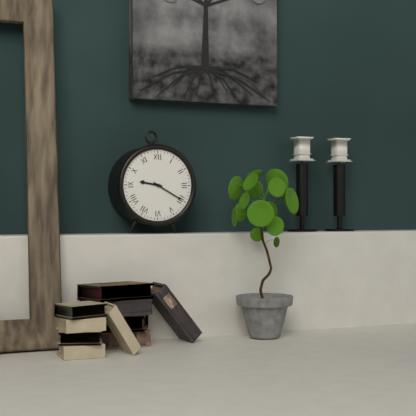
{"hour": 9, "minute": 20}
